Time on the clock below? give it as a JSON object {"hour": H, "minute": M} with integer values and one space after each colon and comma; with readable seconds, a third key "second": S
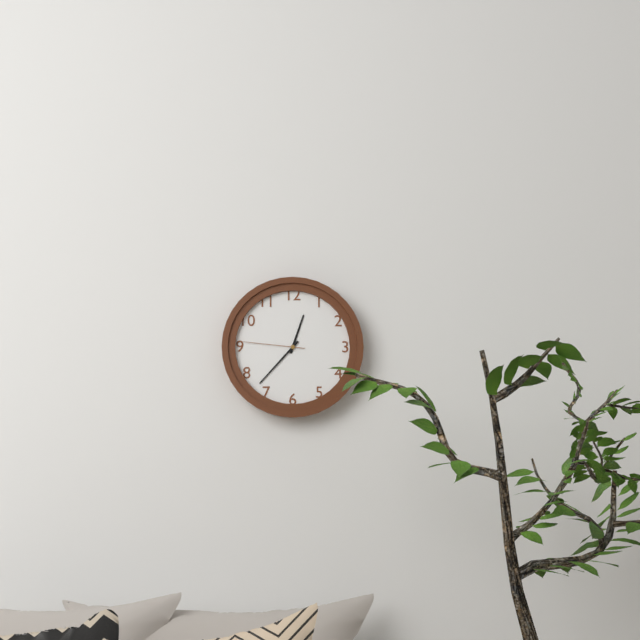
{"hour": 12, "minute": 37, "second": 46}
